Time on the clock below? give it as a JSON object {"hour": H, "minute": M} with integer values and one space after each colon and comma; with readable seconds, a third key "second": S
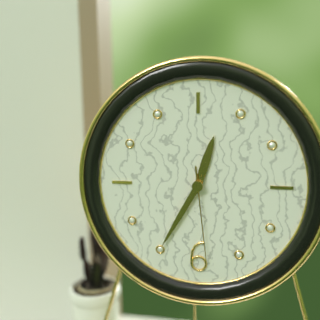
{"hour": 12, "minute": 35, "second": 29}
